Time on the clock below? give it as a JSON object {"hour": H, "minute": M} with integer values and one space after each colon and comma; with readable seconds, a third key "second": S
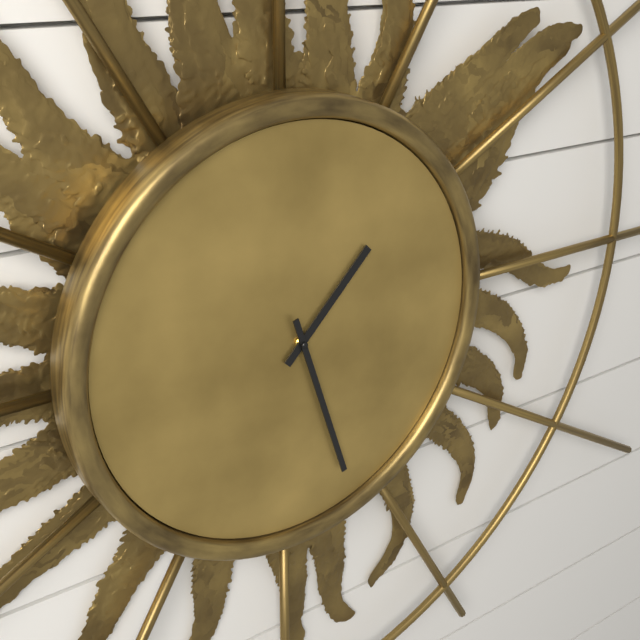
{"hour": 1, "minute": 27}
